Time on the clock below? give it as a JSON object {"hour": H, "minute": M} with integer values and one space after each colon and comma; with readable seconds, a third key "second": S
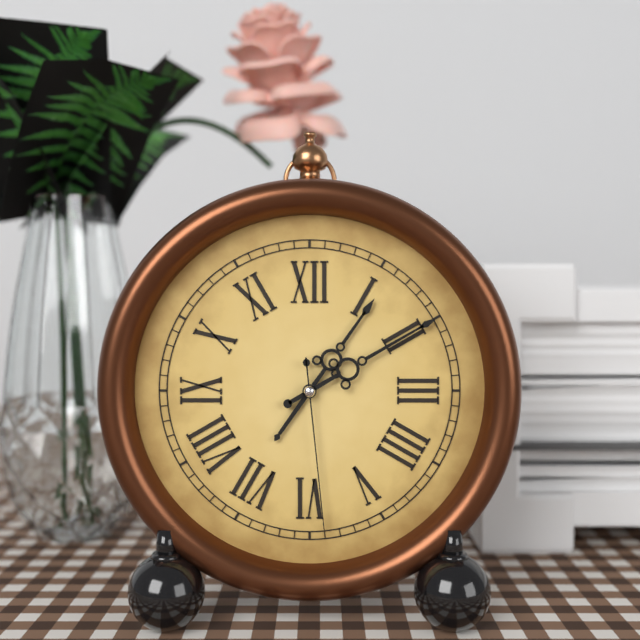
{"hour": 1, "minute": 10, "second": 29}
